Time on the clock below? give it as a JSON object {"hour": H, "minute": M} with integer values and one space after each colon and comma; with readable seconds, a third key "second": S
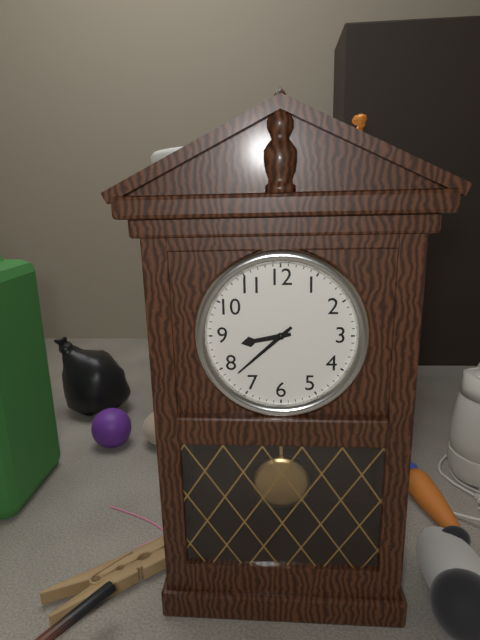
{"hour": 8, "minute": 38}
